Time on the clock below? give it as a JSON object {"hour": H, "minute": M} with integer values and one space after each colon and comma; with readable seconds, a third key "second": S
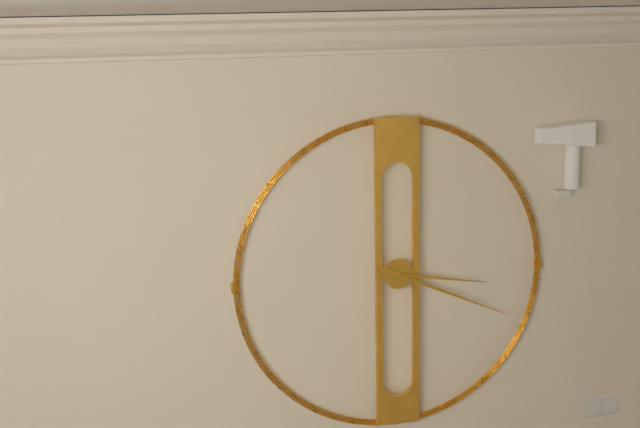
{"hour": 3, "minute": 19}
